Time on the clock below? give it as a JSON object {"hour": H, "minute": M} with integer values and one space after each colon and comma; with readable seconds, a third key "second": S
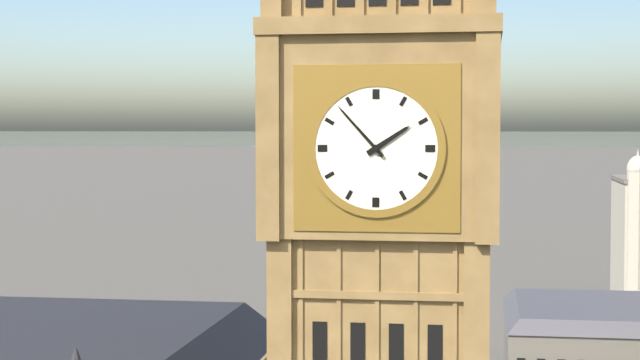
{"hour": 1, "minute": 53}
